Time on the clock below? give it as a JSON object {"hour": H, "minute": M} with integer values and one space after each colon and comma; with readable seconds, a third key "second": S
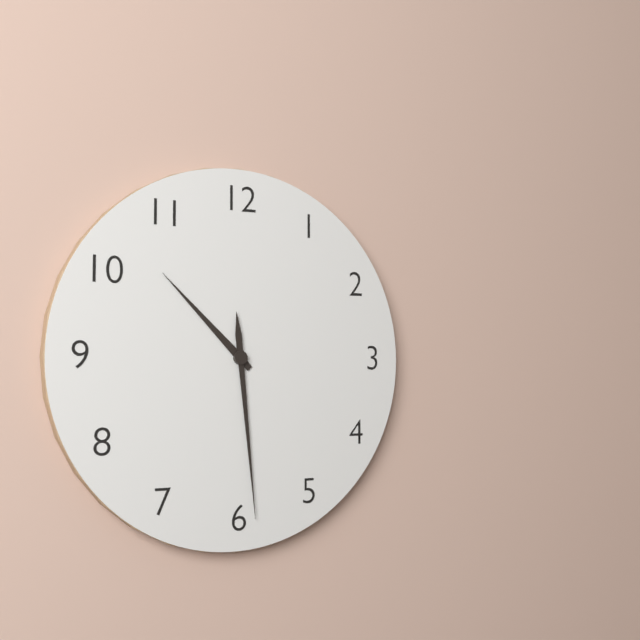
{"hour": 10, "minute": 29}
